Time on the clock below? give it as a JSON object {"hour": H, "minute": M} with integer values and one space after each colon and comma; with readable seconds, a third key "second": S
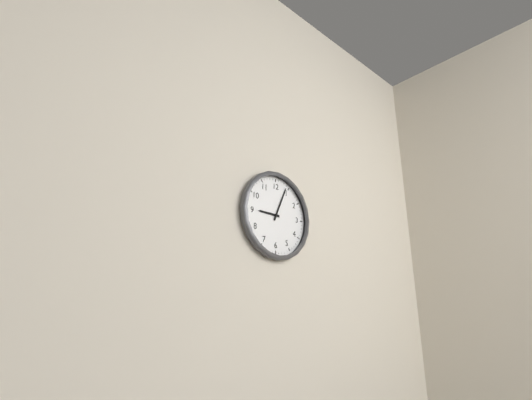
{"hour": 9, "minute": 4}
